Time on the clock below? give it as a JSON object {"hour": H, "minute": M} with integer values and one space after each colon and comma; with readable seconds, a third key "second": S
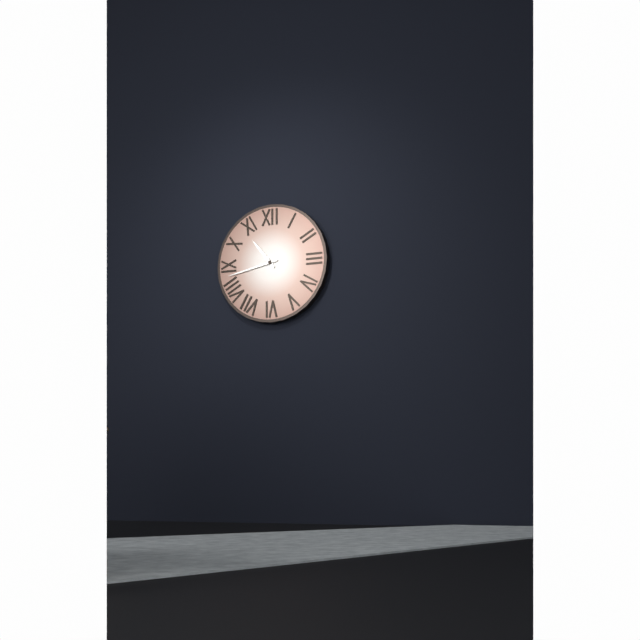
{"hour": 10, "minute": 43}
